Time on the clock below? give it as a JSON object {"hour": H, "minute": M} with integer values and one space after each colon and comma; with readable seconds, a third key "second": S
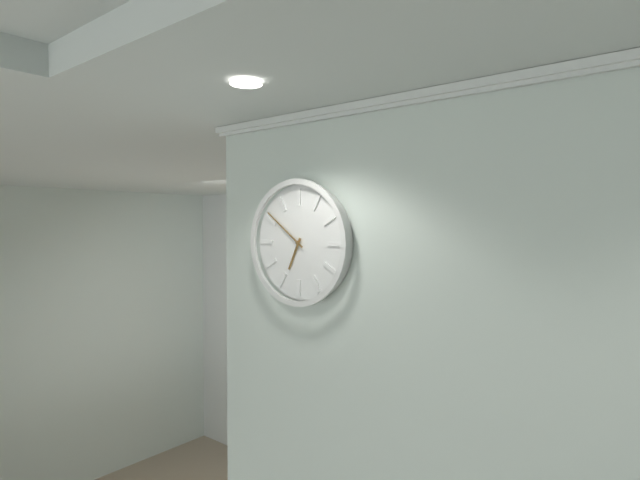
{"hour": 6, "minute": 51}
